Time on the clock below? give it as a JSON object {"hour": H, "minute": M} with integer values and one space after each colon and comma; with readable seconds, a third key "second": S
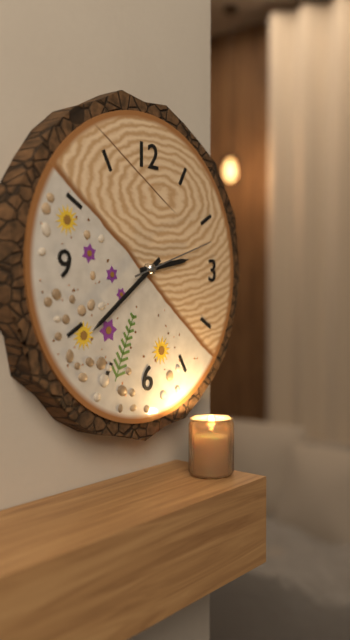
{"hour": 2, "minute": 39, "second": 12}
